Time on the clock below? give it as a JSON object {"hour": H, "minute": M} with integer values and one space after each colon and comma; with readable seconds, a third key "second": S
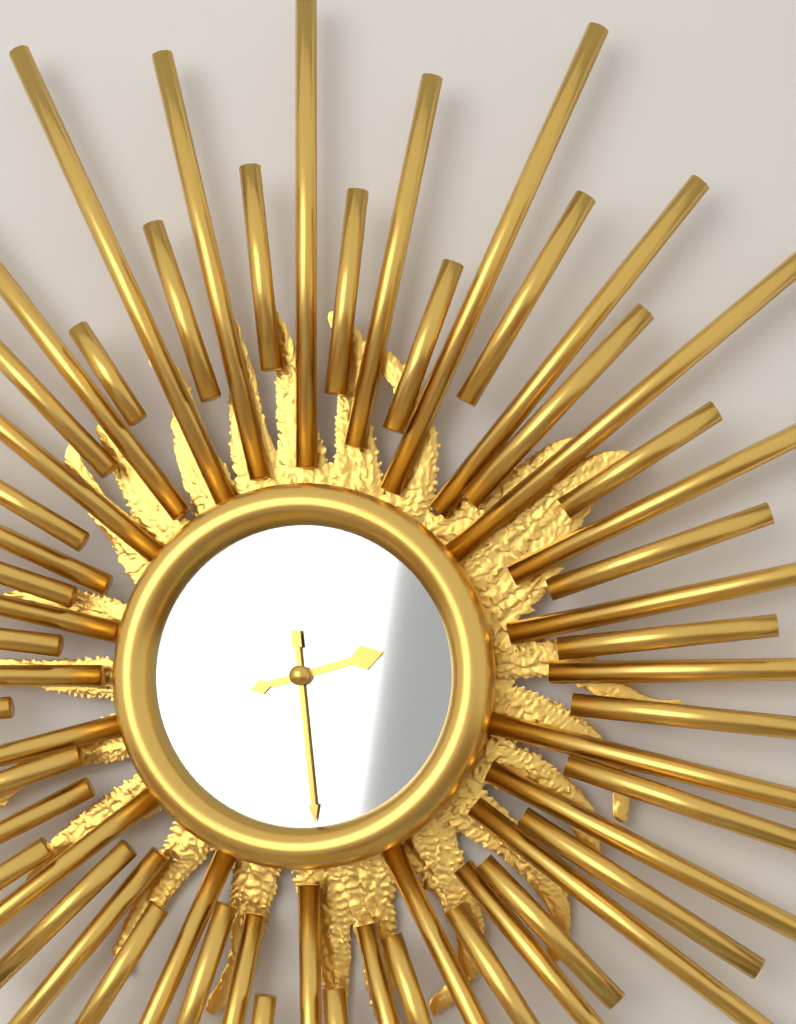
{"hour": 2, "minute": 29}
